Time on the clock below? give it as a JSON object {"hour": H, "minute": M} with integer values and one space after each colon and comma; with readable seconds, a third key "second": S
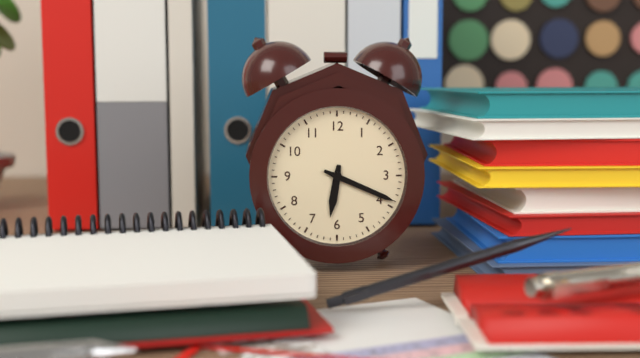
{"hour": 6, "minute": 19}
